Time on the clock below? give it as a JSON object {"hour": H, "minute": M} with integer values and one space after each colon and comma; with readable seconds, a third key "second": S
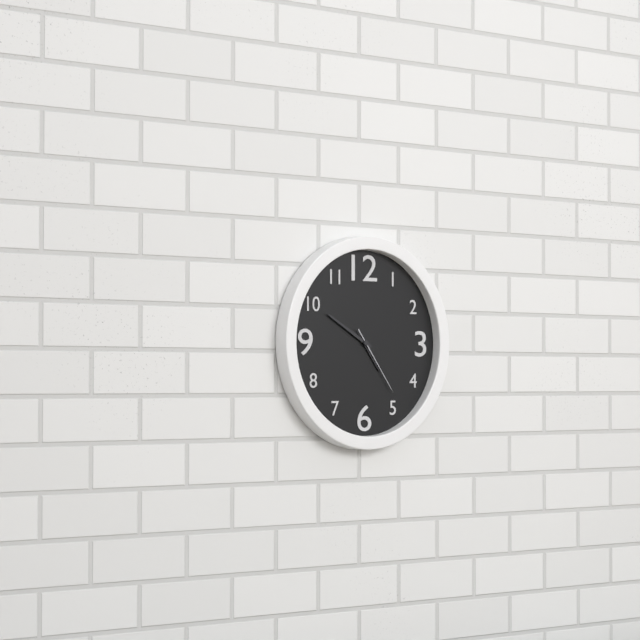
{"hour": 4, "minute": 50, "second": 24}
